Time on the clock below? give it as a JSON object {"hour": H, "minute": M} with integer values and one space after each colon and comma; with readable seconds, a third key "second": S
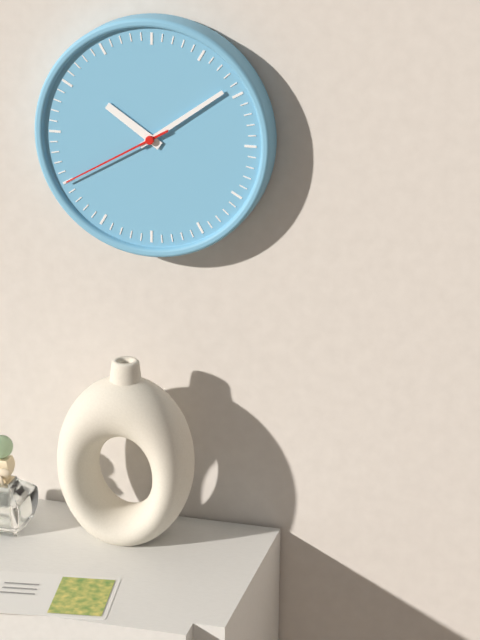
{"hour": 10, "minute": 9, "second": 40}
